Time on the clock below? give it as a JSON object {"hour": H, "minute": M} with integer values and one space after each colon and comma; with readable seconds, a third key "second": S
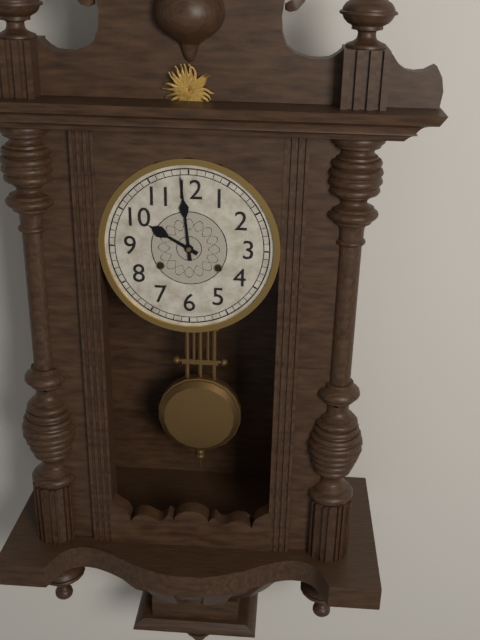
{"hour": 9, "minute": 59}
